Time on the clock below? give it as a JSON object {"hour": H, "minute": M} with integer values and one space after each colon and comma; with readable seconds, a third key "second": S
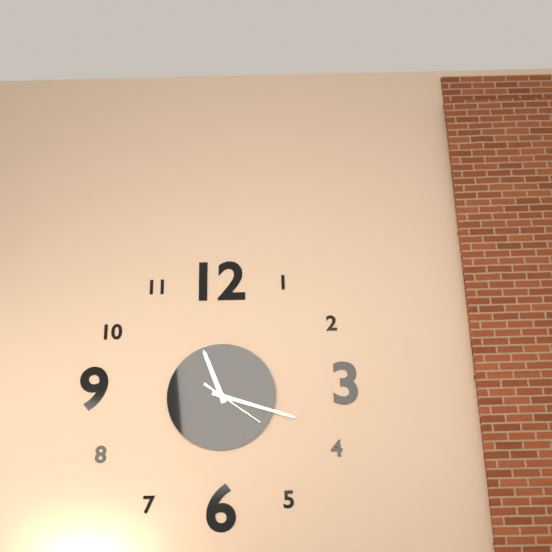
{"hour": 11, "minute": 18, "second": 21}
